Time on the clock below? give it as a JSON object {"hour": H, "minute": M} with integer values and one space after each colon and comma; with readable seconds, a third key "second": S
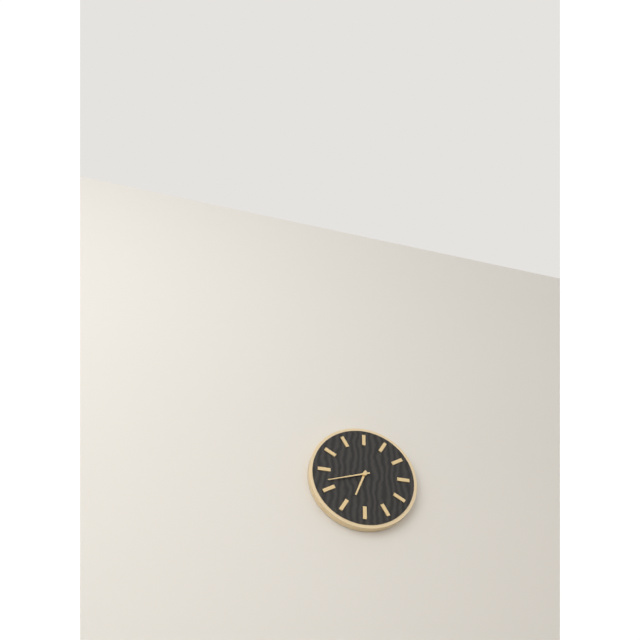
{"hour": 6, "minute": 42}
